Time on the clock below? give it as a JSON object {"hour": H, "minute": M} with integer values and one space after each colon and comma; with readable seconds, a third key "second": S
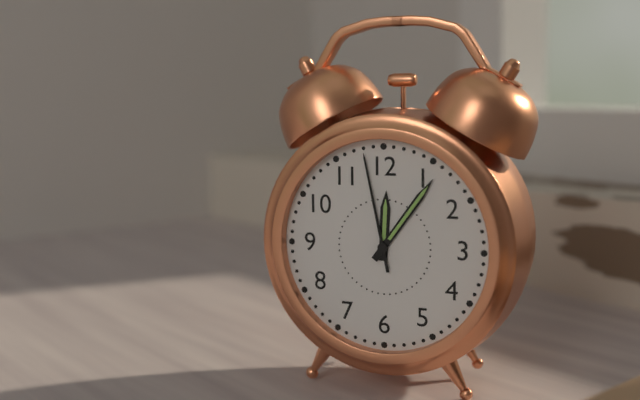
{"hour": 12, "minute": 6, "second": 58}
